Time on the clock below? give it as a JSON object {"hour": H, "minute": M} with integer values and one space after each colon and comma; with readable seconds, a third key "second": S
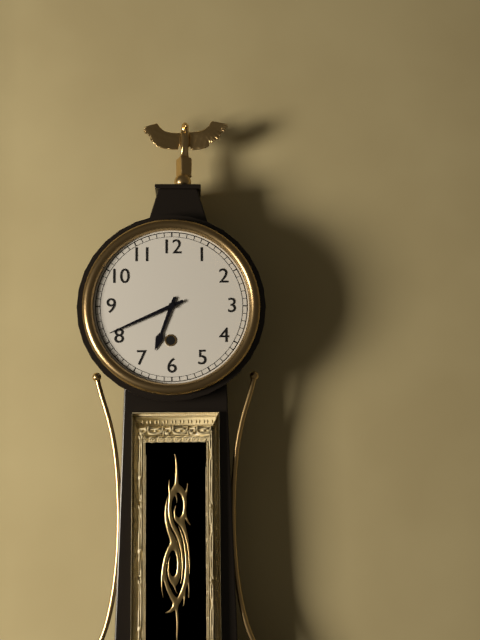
{"hour": 6, "minute": 41}
